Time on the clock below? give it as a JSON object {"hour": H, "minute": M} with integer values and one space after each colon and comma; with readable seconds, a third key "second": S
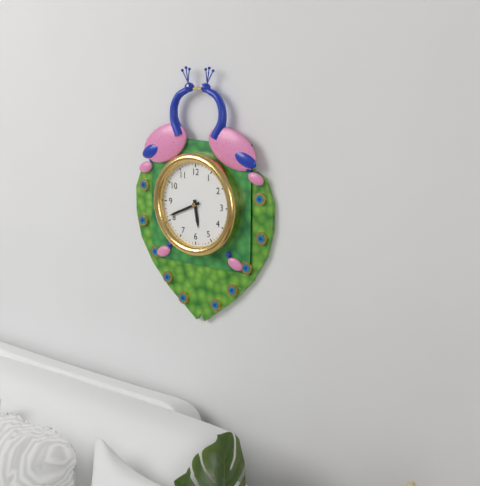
{"hour": 5, "minute": 41}
